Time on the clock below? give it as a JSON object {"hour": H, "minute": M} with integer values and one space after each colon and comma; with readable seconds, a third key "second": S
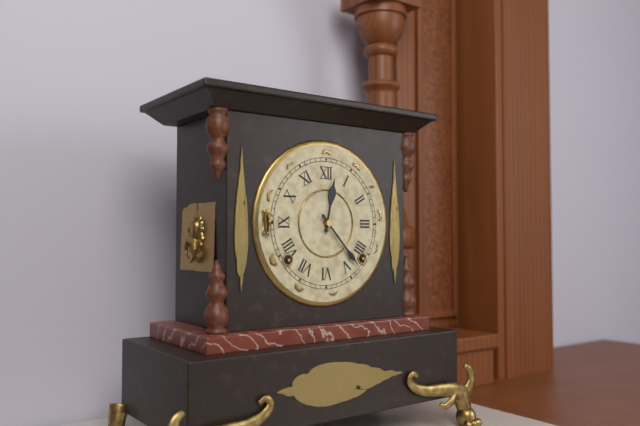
{"hour": 12, "minute": 23}
